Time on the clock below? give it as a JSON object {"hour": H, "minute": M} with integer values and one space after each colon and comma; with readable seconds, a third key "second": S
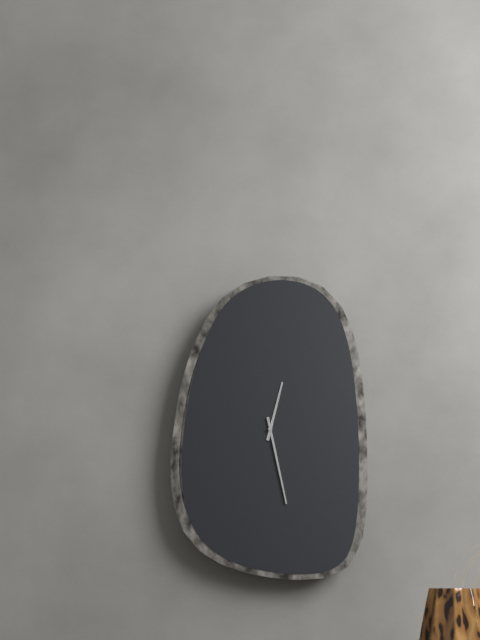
{"hour": 12, "minute": 28}
